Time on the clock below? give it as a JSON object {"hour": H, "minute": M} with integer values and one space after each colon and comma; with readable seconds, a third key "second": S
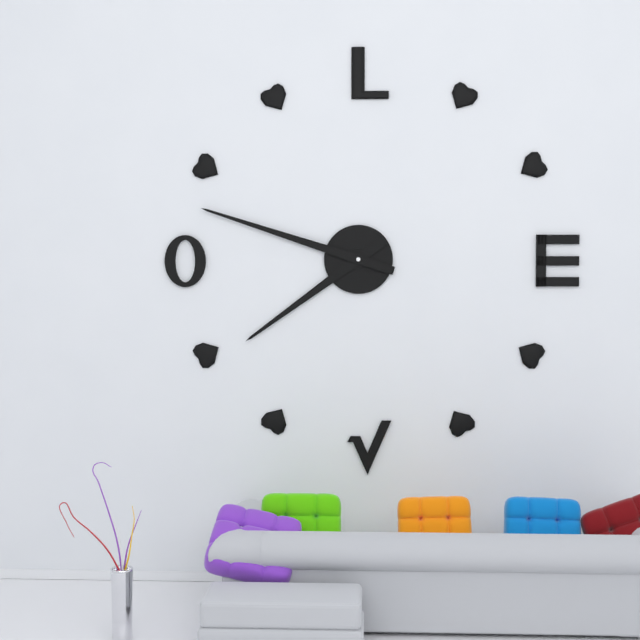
{"hour": 7, "minute": 48}
